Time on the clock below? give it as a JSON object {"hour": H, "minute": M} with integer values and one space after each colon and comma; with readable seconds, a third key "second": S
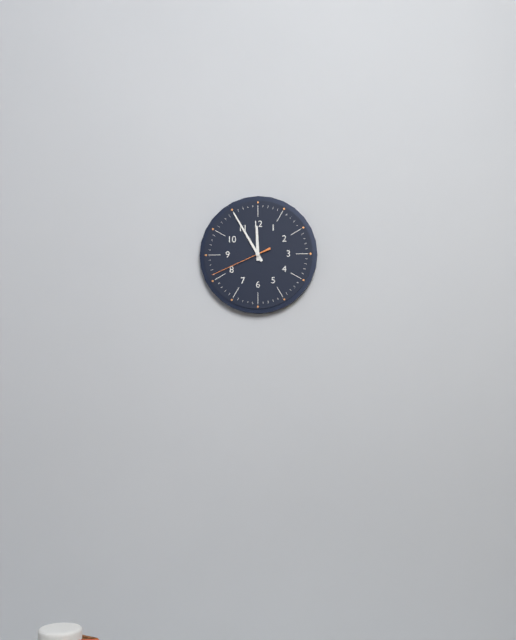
{"hour": 11, "minute": 55, "second": 41}
